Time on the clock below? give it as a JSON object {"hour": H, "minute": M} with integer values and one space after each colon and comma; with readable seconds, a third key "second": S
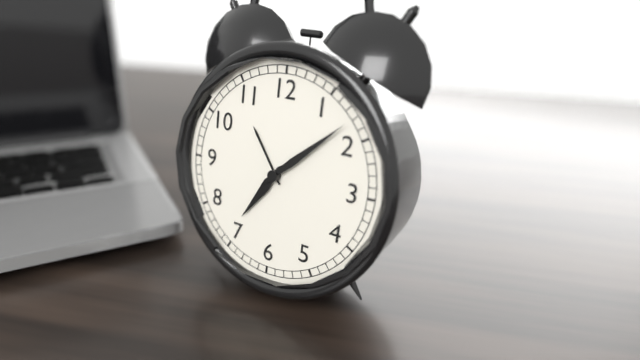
{"hour": 7, "minute": 8}
